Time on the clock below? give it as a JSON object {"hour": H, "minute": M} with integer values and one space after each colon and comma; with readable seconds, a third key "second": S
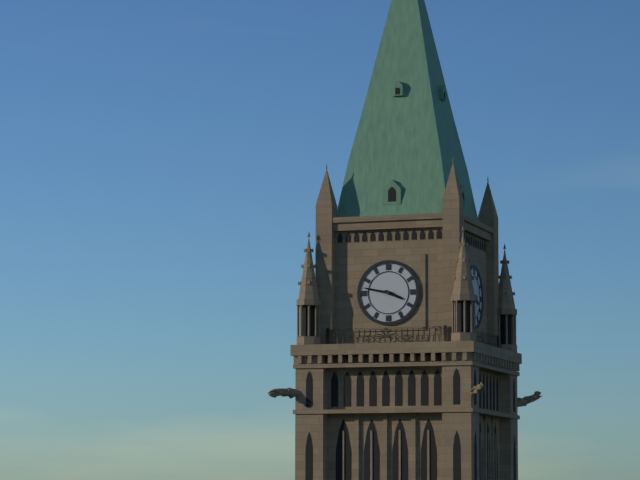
{"hour": 3, "minute": 47}
